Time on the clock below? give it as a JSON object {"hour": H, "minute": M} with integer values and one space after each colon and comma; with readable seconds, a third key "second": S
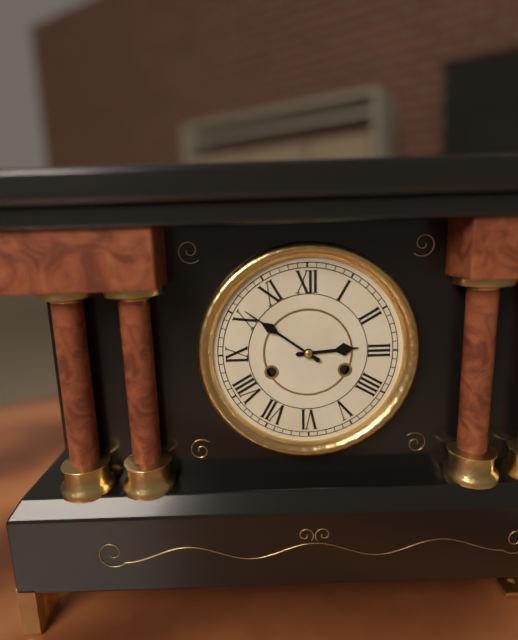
{"hour": 2, "minute": 51}
